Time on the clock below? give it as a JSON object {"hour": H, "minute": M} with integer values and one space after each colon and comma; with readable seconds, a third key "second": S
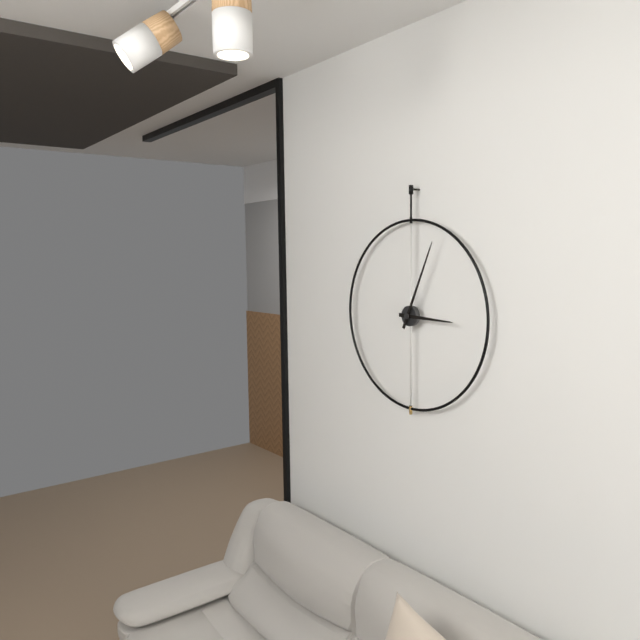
{"hour": 3, "minute": 4}
